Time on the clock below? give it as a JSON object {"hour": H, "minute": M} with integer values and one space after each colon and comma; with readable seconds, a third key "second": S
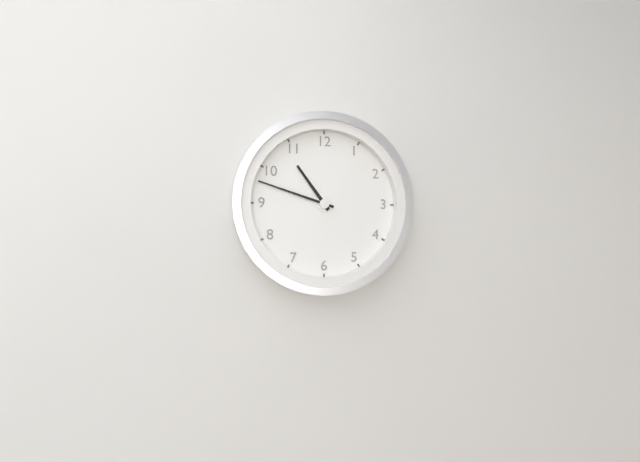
{"hour": 10, "minute": 48}
